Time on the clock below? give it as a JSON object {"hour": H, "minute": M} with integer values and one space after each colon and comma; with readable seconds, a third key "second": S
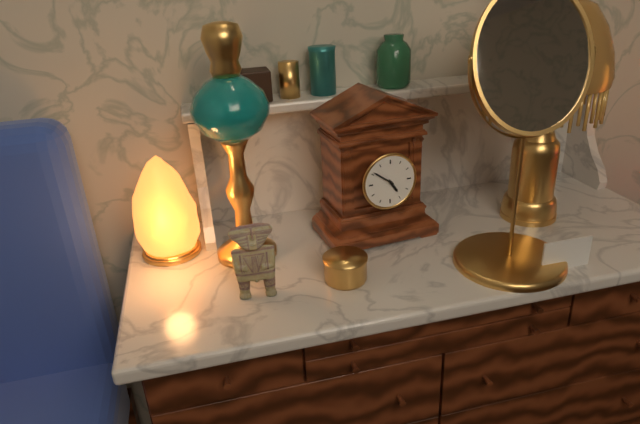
{"hour": 4, "minute": 51}
